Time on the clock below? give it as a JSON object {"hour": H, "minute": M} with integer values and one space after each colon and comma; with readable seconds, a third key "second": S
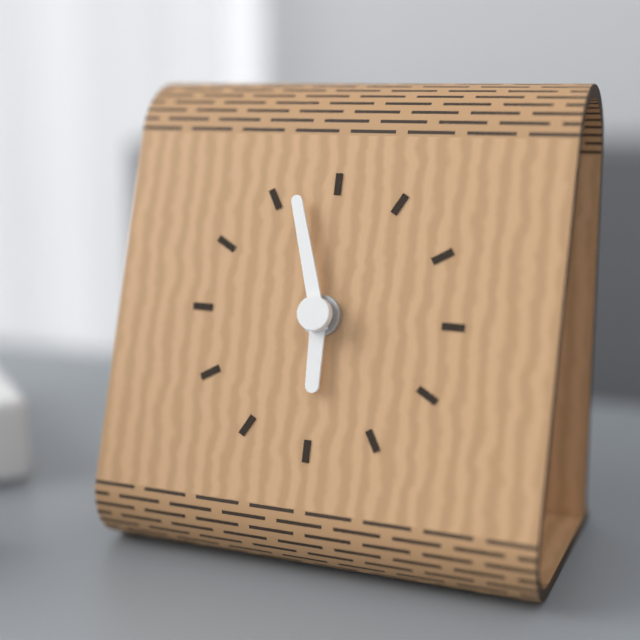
{"hour": 5, "minute": 57}
